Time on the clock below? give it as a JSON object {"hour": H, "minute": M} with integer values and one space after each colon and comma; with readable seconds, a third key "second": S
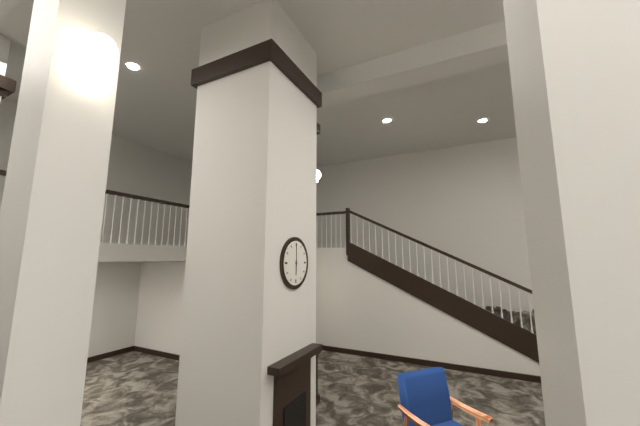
{"hour": 6, "minute": 0}
